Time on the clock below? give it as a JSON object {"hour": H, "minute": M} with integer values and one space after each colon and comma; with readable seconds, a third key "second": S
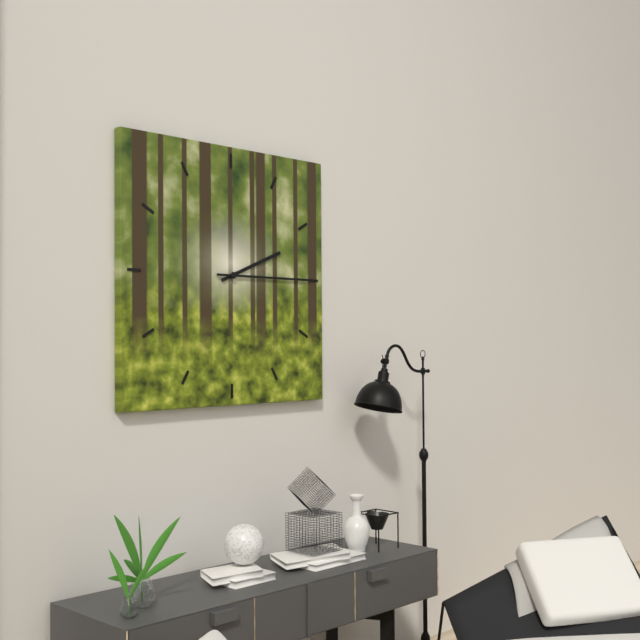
{"hour": 2, "minute": 15}
